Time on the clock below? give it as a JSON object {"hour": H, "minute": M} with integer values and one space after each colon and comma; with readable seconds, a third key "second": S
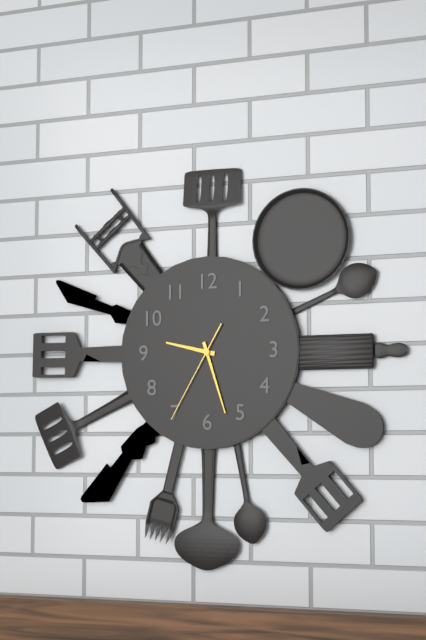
{"hour": 9, "minute": 27, "second": 35}
